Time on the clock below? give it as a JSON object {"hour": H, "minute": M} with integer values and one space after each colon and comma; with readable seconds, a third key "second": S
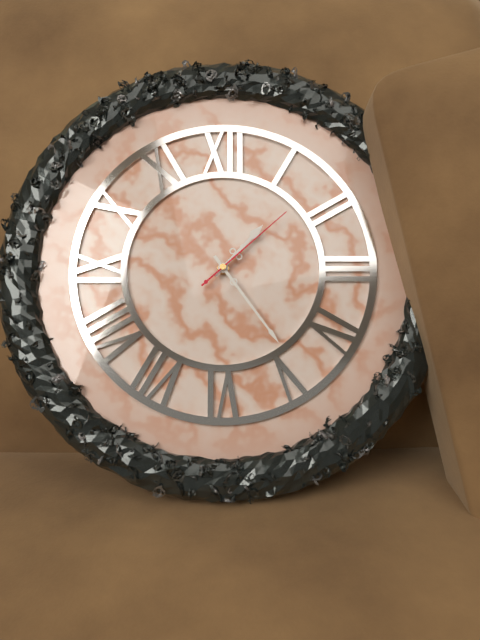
{"hour": 1, "minute": 24, "second": 8}
